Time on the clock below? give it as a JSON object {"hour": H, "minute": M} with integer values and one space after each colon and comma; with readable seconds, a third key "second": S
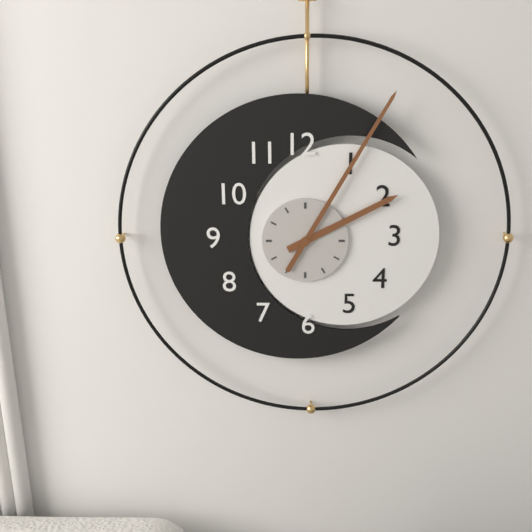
{"hour": 2, "minute": 5}
